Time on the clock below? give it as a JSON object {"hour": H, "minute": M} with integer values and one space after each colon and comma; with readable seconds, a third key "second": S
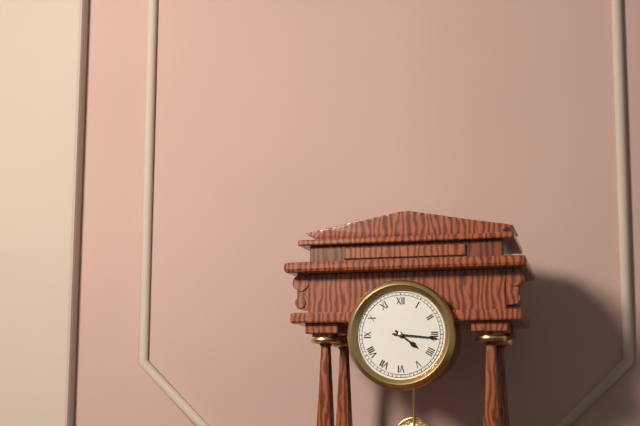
{"hour": 4, "minute": 16}
